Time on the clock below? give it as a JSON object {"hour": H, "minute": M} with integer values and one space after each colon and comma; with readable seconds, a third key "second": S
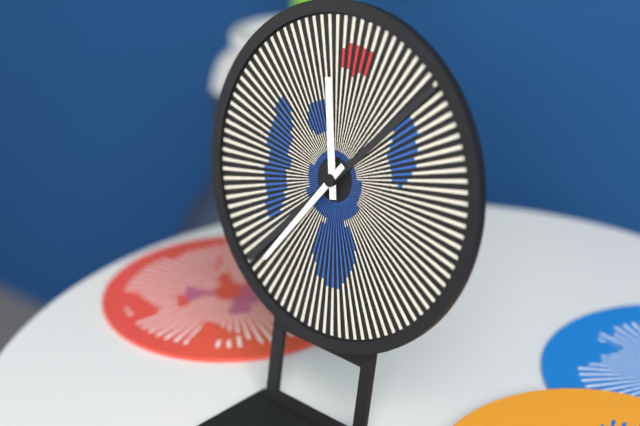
{"hour": 11, "minute": 36}
